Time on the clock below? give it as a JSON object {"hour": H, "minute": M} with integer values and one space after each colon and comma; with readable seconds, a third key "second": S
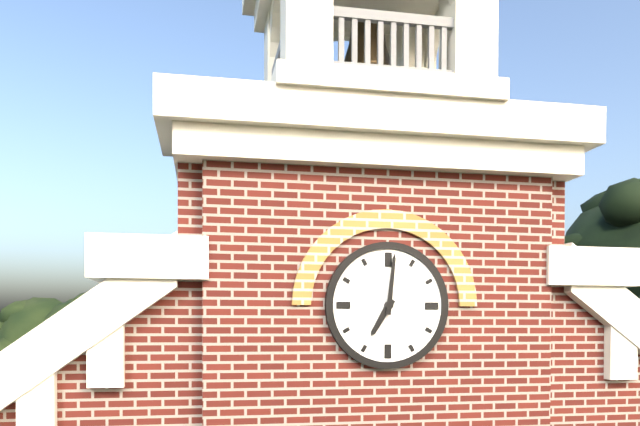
{"hour": 7, "minute": 1}
